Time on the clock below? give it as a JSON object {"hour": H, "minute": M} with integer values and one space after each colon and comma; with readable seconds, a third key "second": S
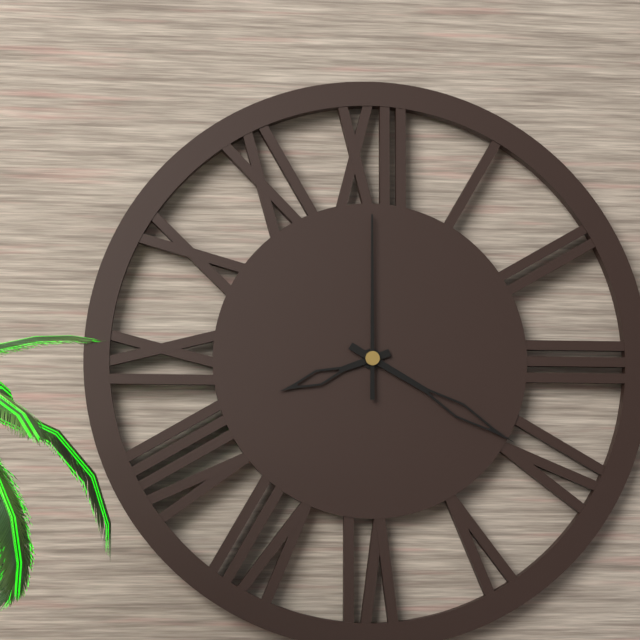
{"hour": 8, "minute": 20, "second": 0}
